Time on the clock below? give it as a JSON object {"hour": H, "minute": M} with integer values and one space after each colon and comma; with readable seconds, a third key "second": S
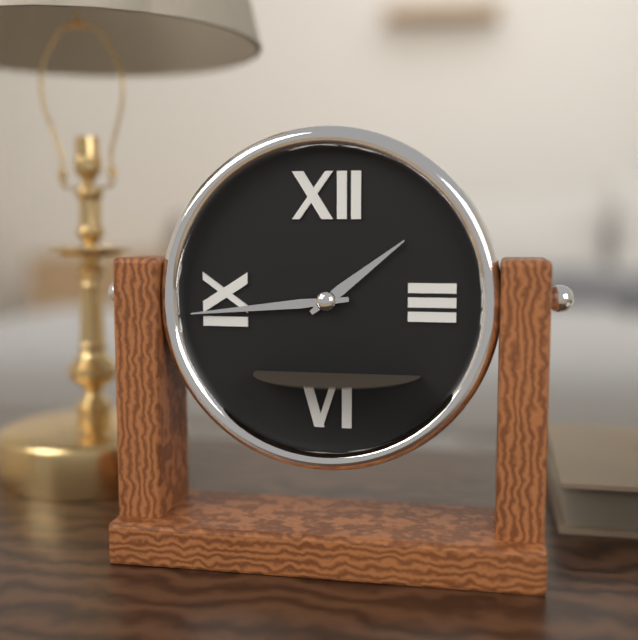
{"hour": 1, "minute": 44}
